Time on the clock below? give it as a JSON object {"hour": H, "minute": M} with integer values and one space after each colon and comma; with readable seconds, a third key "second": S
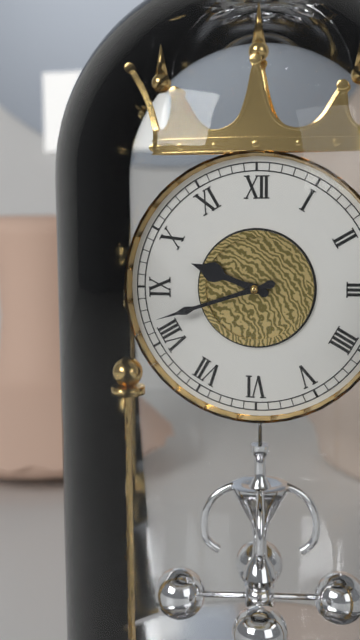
{"hour": 9, "minute": 42}
